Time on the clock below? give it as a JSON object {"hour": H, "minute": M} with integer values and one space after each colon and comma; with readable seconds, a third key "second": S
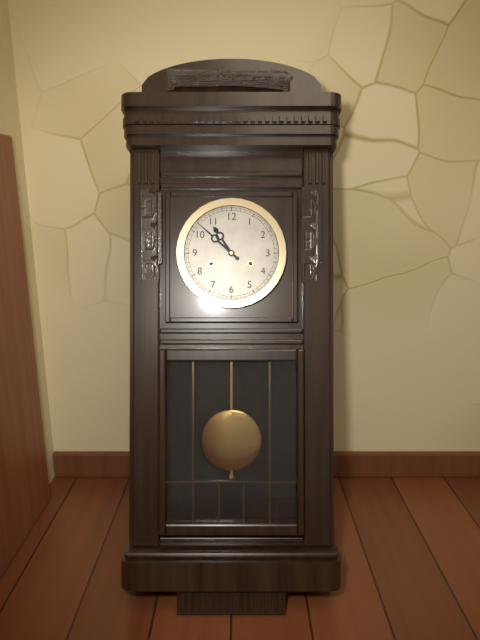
{"hour": 10, "minute": 52}
